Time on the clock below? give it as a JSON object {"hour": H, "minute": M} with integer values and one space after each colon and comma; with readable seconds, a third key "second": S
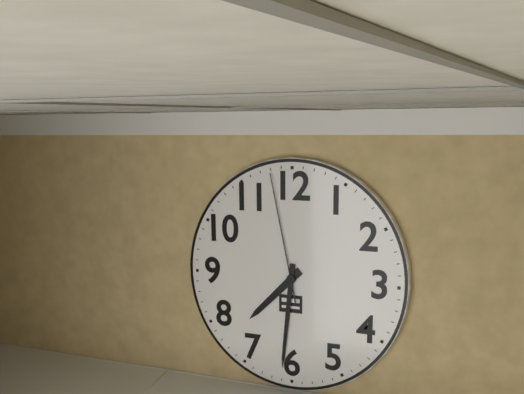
{"hour": 7, "minute": 31, "second": 58}
